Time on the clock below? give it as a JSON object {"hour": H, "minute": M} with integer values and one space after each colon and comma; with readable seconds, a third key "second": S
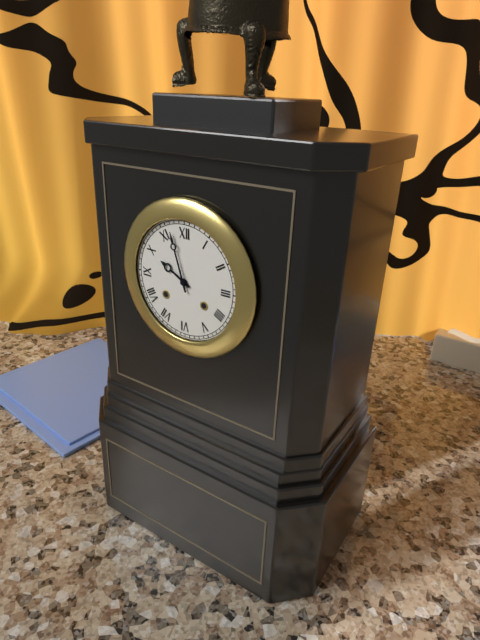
{"hour": 9, "minute": 57}
